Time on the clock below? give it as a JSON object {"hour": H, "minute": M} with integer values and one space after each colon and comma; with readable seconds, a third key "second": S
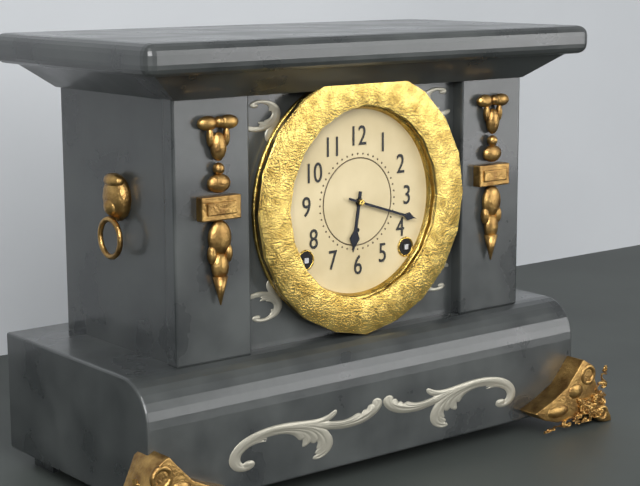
{"hour": 6, "minute": 18}
